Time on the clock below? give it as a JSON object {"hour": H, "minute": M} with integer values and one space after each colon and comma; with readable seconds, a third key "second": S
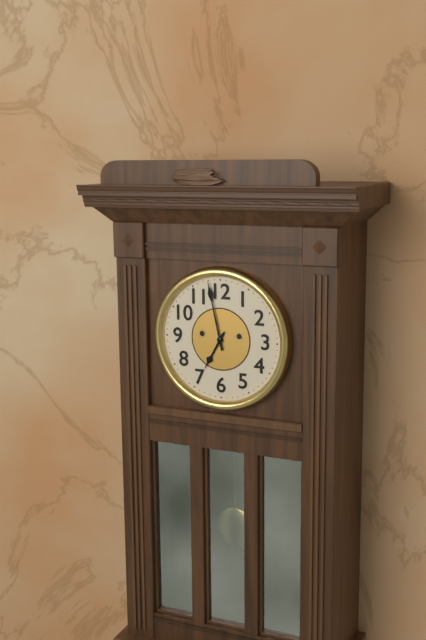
{"hour": 6, "minute": 58}
